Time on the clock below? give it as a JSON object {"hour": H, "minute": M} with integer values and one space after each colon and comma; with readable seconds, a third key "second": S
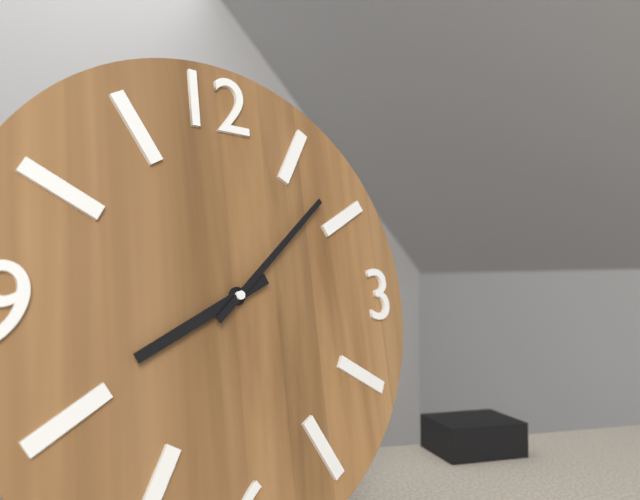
{"hour": 8, "minute": 8}
